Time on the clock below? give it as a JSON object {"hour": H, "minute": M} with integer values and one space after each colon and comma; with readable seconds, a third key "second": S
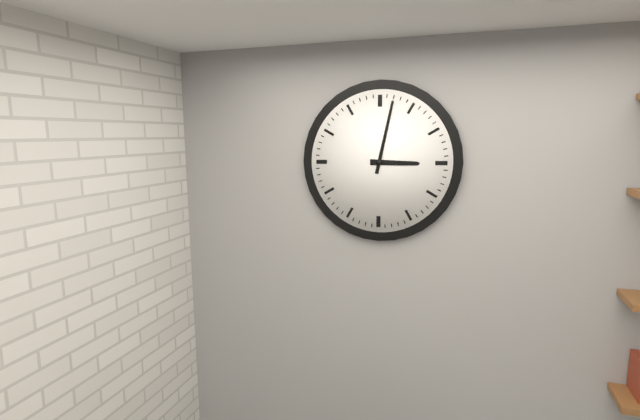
{"hour": 3, "minute": 2}
